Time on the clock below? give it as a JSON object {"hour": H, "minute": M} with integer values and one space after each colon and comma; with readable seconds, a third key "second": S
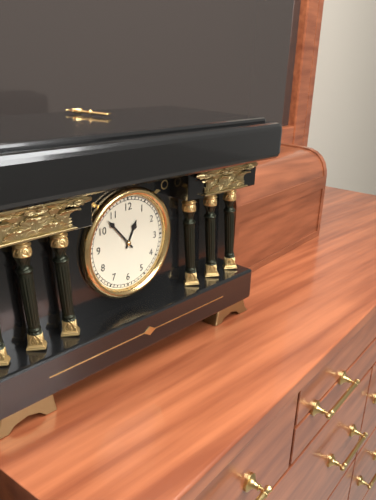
{"hour": 12, "minute": 53}
